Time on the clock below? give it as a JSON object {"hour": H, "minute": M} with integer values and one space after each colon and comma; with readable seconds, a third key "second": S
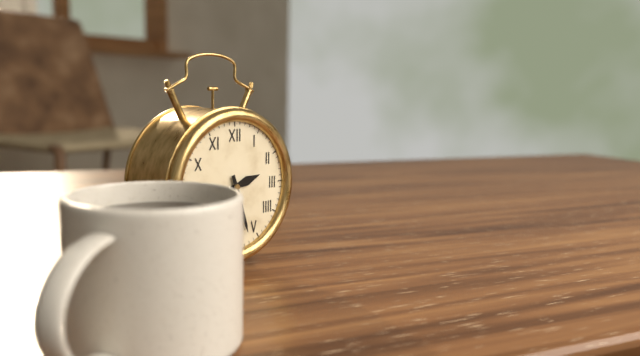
{"hour": 2, "minute": 27}
